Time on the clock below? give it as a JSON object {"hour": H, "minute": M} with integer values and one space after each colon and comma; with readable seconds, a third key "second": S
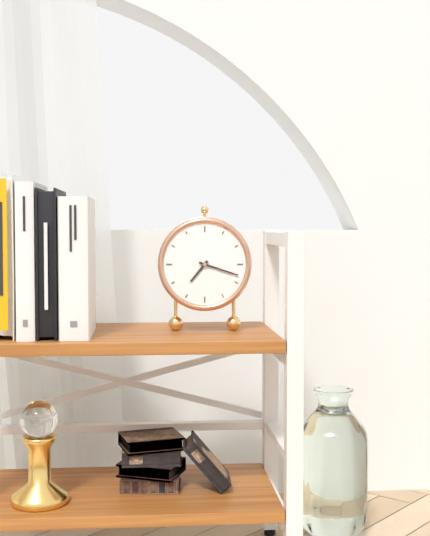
{"hour": 7, "minute": 18}
